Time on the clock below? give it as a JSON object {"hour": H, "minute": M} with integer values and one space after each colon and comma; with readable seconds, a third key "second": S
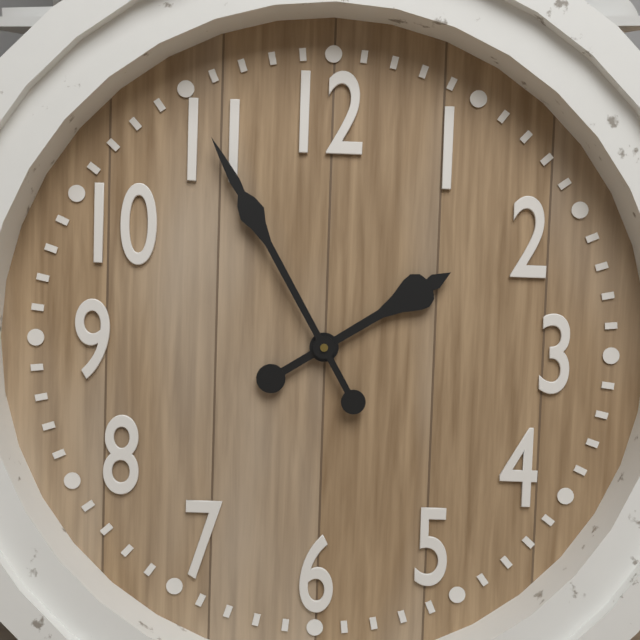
{"hour": 1, "minute": 55}
